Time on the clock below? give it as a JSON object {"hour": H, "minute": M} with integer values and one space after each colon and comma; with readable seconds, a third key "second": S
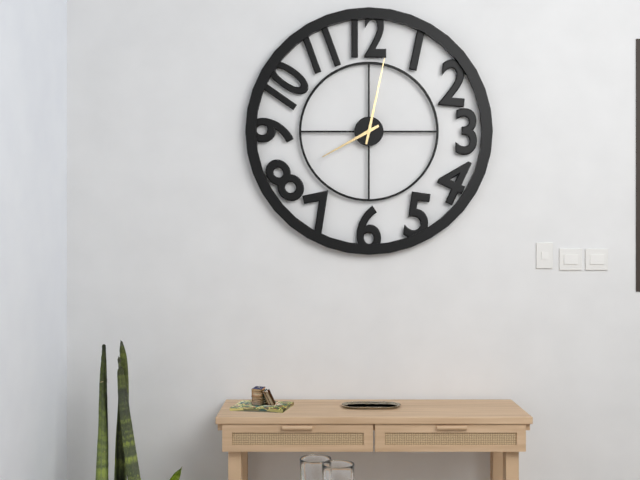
{"hour": 8, "minute": 2}
